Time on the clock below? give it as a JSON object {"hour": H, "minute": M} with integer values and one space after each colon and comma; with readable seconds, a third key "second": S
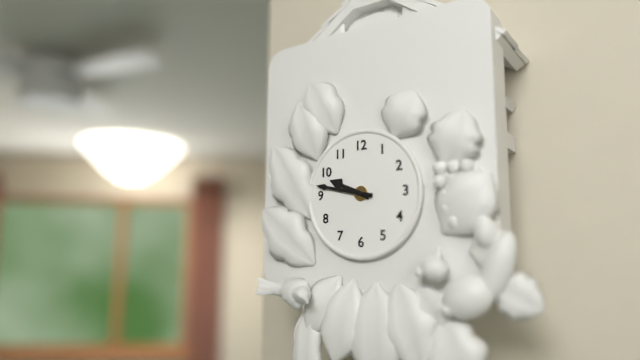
{"hour": 9, "minute": 47}
